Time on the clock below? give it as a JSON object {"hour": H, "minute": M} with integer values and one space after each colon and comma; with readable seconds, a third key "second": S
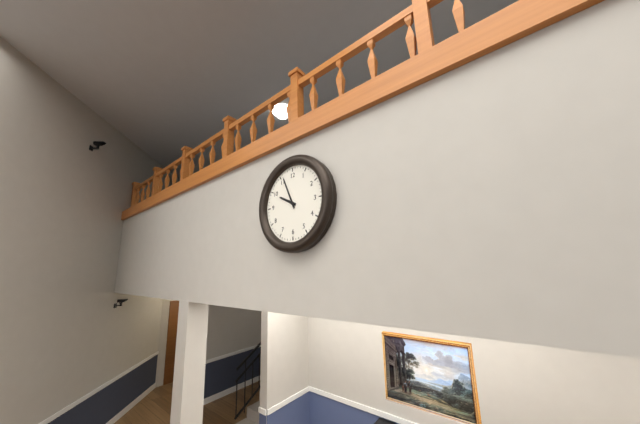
{"hour": 9, "minute": 56}
